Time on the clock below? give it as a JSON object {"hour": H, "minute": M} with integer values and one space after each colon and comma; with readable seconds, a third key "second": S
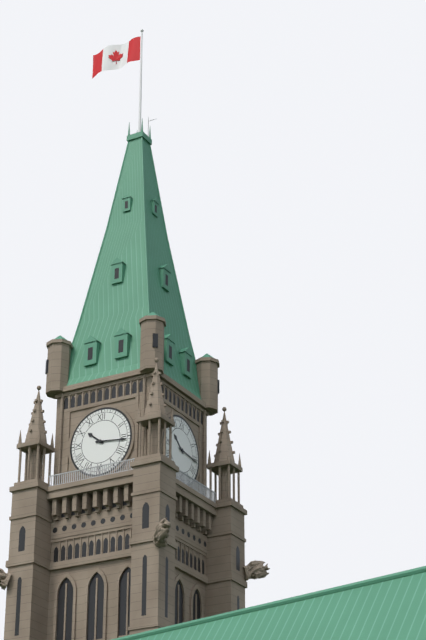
{"hour": 10, "minute": 16}
